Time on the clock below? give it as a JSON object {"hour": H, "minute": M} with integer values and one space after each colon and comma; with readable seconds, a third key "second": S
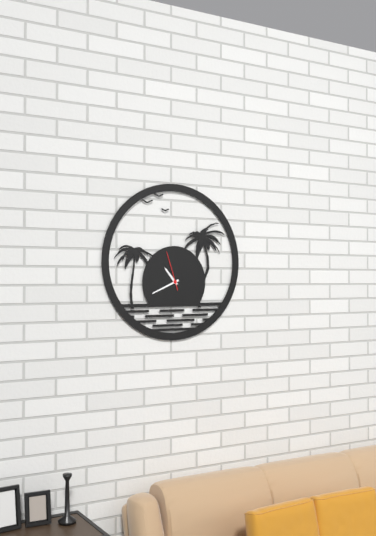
{"hour": 10, "minute": 41}
